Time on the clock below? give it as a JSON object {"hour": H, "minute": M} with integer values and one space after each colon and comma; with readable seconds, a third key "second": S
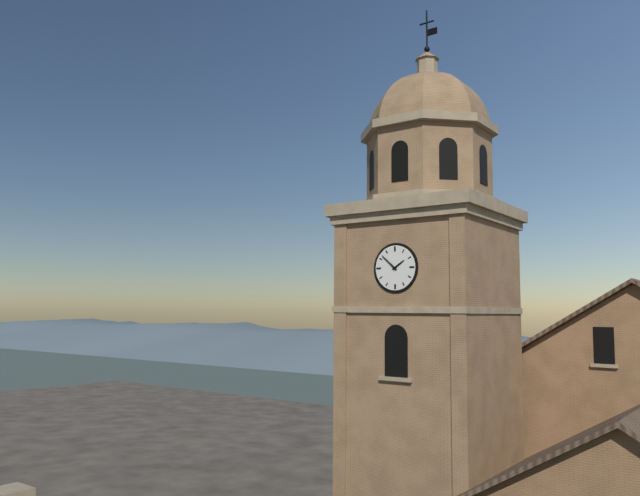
{"hour": 1, "minute": 52}
